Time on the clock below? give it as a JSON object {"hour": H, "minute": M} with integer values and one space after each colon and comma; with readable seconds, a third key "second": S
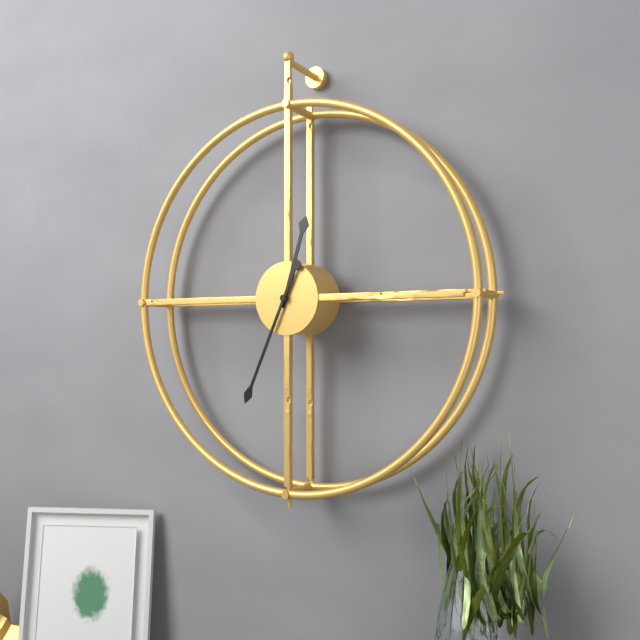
{"hour": 12, "minute": 34}
